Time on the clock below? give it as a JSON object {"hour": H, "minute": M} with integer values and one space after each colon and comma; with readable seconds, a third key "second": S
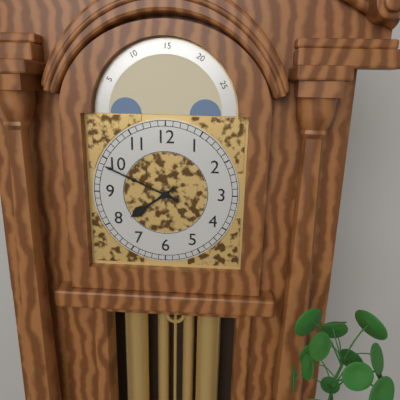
{"hour": 7, "minute": 49}
